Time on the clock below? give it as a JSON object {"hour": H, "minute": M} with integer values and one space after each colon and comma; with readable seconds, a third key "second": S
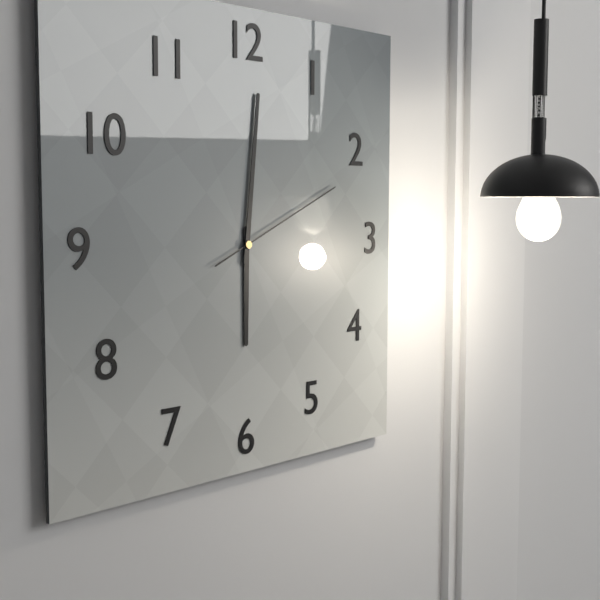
{"hour": 6, "minute": 1, "second": 11}
